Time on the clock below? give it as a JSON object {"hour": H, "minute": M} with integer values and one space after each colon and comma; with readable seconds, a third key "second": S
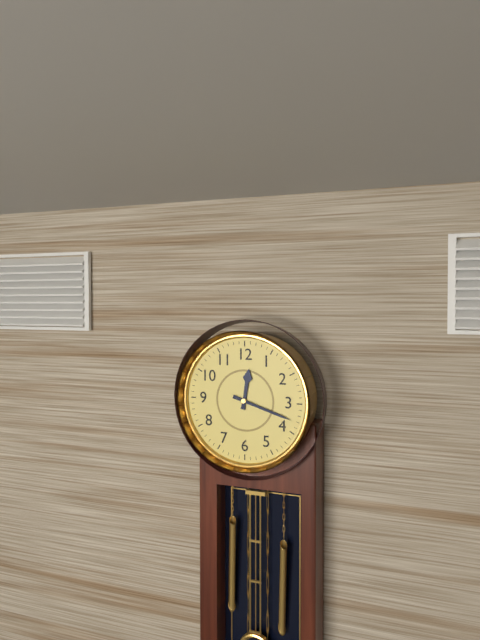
{"hour": 12, "minute": 18}
